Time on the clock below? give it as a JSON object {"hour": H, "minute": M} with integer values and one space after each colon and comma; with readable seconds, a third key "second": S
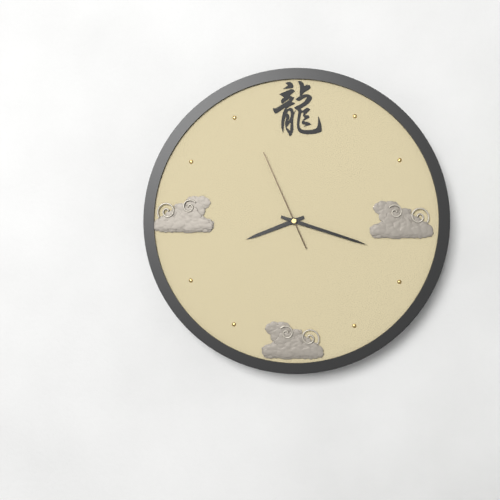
{"hour": 8, "minute": 18, "second": 56}
